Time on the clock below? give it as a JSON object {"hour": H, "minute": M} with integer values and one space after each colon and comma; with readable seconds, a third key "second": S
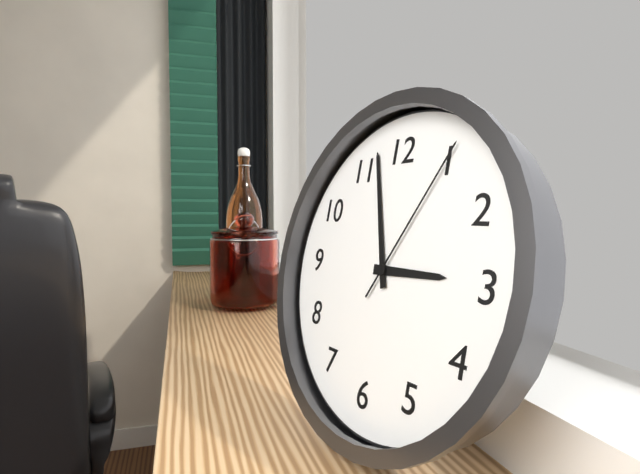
{"hour": 2, "minute": 57, "second": 5}
